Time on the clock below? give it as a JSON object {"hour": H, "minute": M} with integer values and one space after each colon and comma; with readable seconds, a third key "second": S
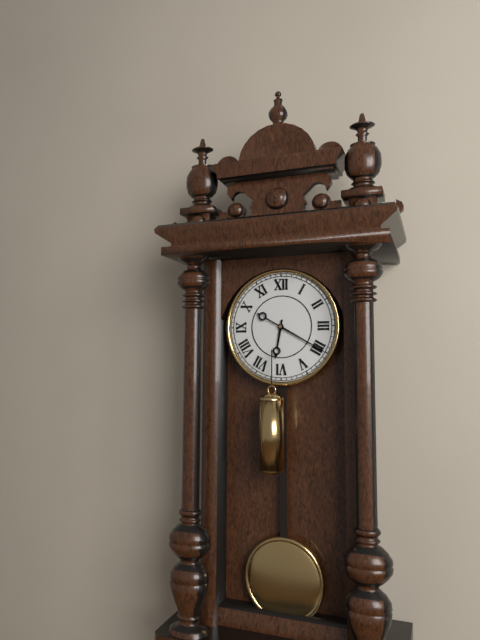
{"hour": 6, "minute": 20}
